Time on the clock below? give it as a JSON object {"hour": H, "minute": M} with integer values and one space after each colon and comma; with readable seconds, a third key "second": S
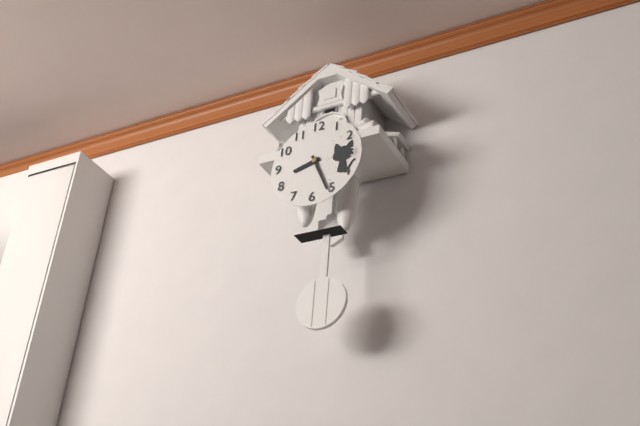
{"hour": 8, "minute": 26}
